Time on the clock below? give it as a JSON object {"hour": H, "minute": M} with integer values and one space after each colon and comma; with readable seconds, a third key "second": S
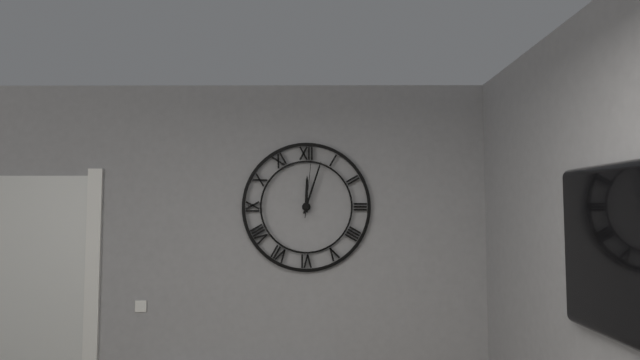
{"hour": 12, "minute": 3, "second": 1}
